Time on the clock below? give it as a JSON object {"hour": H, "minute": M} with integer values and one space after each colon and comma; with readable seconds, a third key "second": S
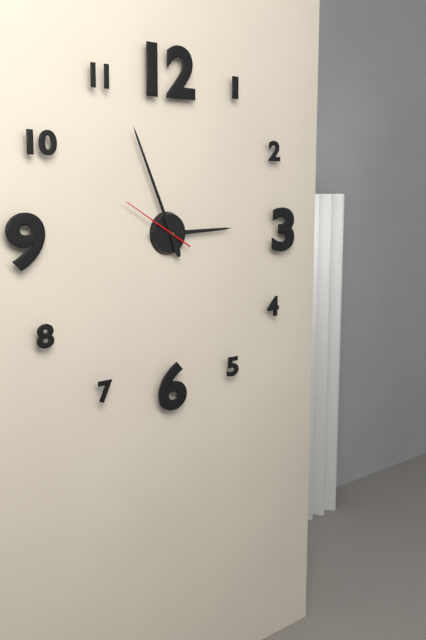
{"hour": 2, "minute": 56, "second": 50}
